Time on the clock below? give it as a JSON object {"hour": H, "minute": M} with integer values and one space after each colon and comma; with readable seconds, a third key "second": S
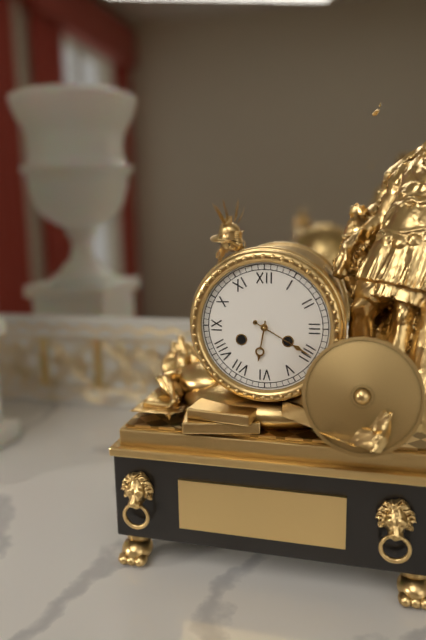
{"hour": 6, "minute": 20}
